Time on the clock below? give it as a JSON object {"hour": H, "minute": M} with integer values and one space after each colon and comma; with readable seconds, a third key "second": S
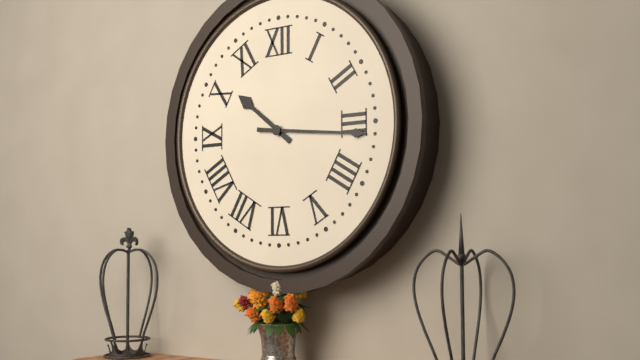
{"hour": 10, "minute": 16}
